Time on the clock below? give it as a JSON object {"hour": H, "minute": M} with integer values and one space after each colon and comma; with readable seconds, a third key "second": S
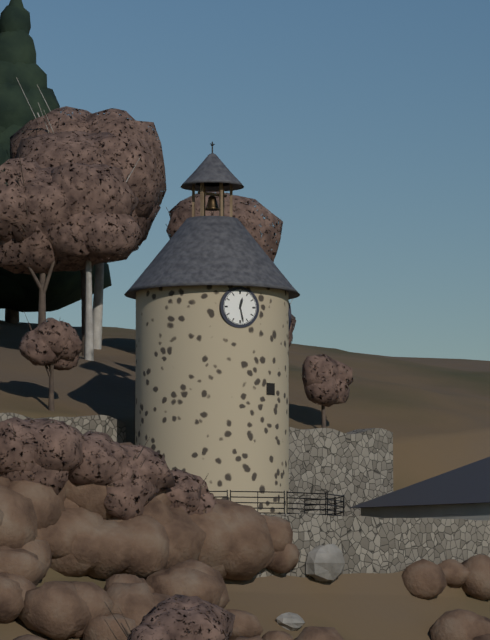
{"hour": 12, "minute": 28}
